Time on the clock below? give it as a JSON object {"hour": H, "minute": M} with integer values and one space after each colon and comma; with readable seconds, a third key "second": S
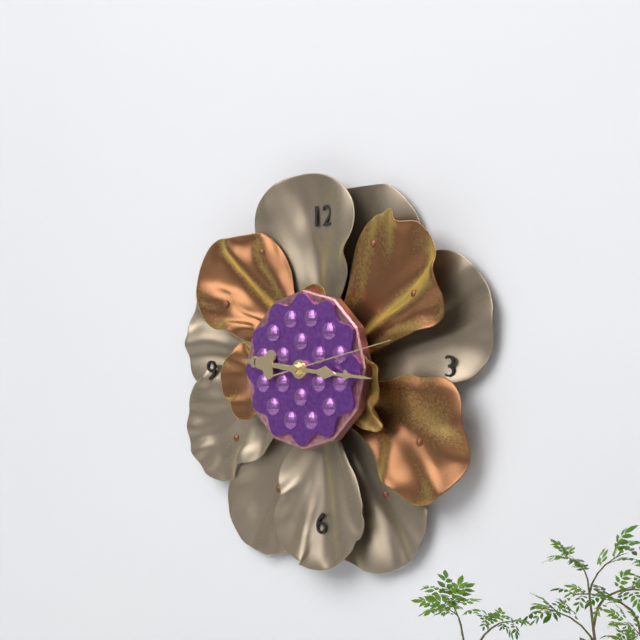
{"hour": 9, "minute": 16, "second": 13}
